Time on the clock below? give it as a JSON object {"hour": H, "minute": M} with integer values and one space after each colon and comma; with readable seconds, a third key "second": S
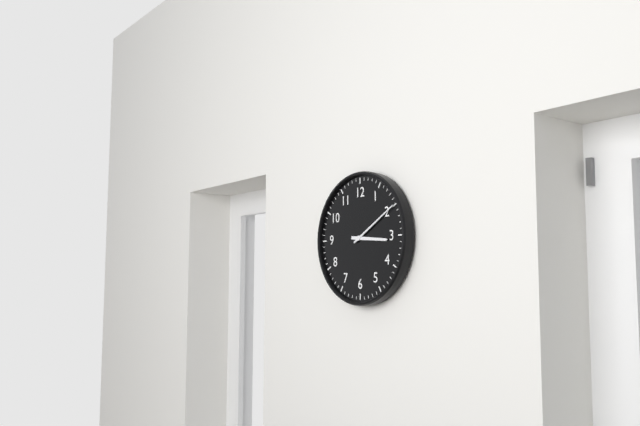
{"hour": 3, "minute": 10}
